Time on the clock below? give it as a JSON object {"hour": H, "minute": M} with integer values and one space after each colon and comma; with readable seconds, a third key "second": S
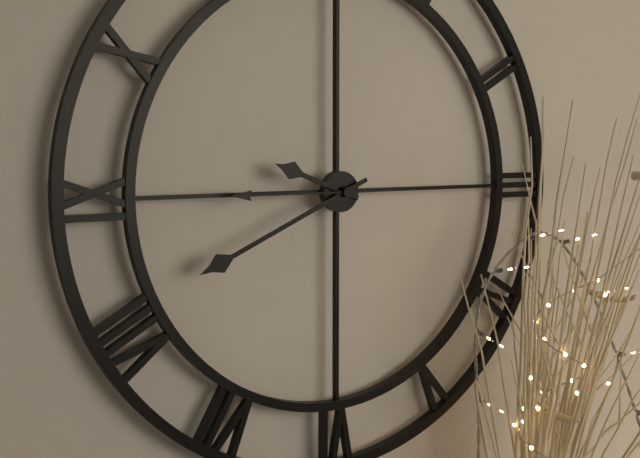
{"hour": 9, "minute": 41, "second": 45}
